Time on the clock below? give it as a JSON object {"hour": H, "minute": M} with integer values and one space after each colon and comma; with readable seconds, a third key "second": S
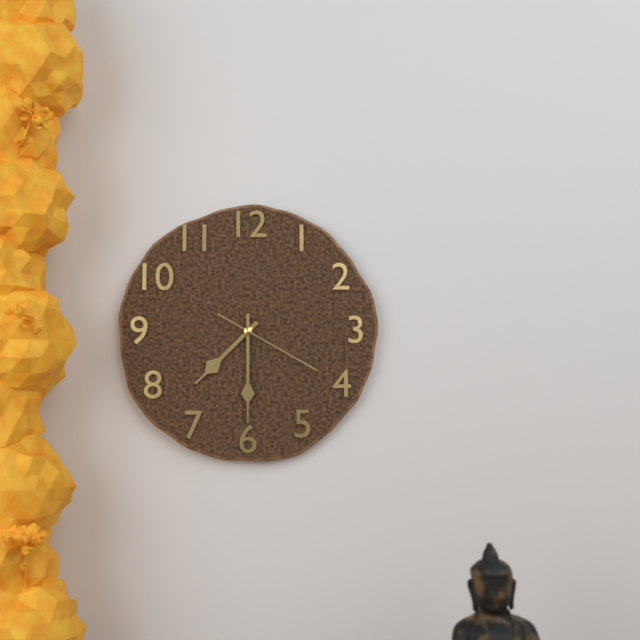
{"hour": 7, "minute": 30, "second": 20}
